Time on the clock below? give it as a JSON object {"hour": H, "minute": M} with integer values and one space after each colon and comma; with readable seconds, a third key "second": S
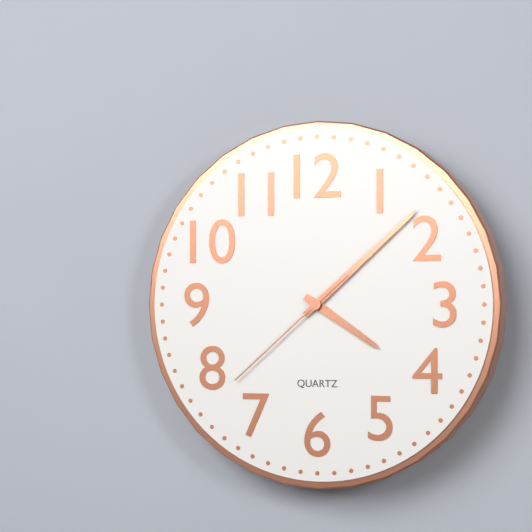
{"hour": 4, "minute": 8, "second": 38}
